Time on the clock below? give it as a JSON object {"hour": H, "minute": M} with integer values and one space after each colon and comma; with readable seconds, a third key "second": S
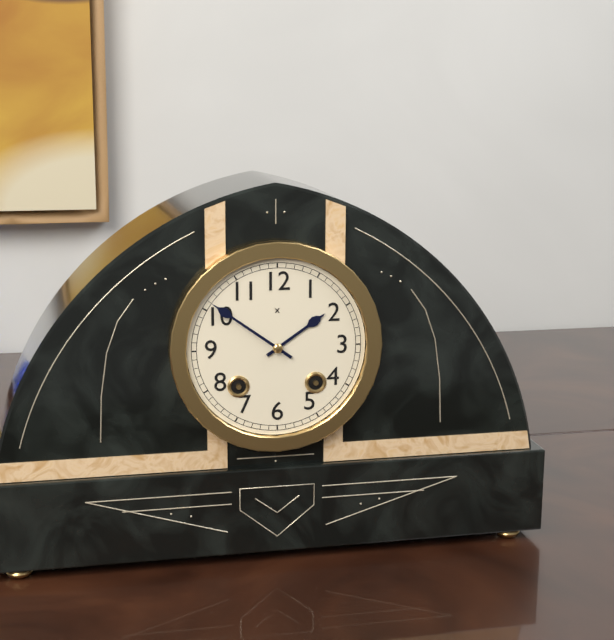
{"hour": 1, "minute": 51}
